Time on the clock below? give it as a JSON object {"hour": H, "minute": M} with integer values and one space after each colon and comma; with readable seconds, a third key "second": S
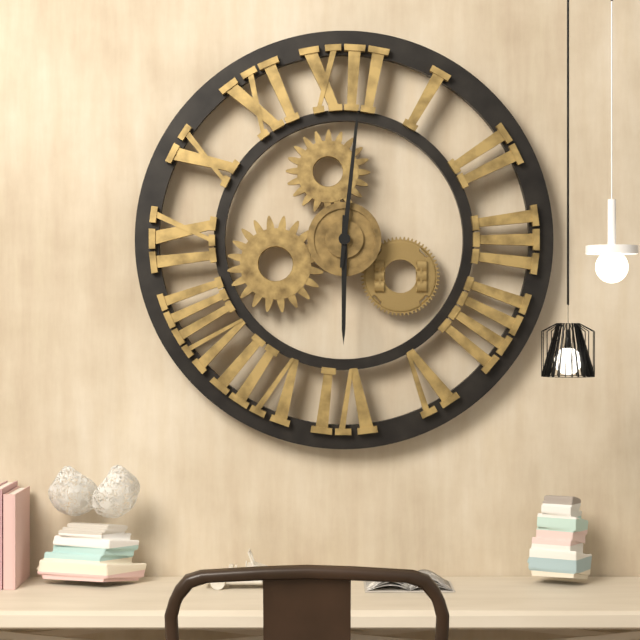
{"hour": 6, "minute": 1}
